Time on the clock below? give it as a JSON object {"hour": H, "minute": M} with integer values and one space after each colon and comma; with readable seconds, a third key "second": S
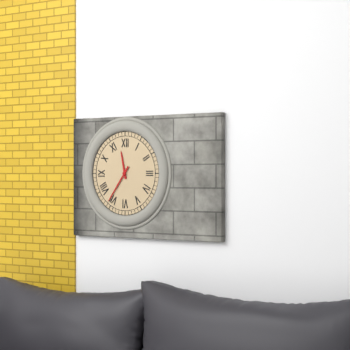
{"hour": 11, "minute": 36}
